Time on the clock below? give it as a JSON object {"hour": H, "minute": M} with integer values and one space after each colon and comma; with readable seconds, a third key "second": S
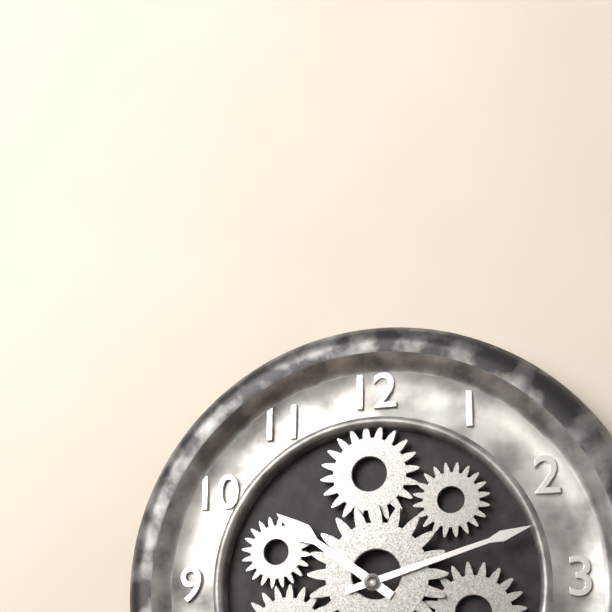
{"hour": 10, "minute": 12}
